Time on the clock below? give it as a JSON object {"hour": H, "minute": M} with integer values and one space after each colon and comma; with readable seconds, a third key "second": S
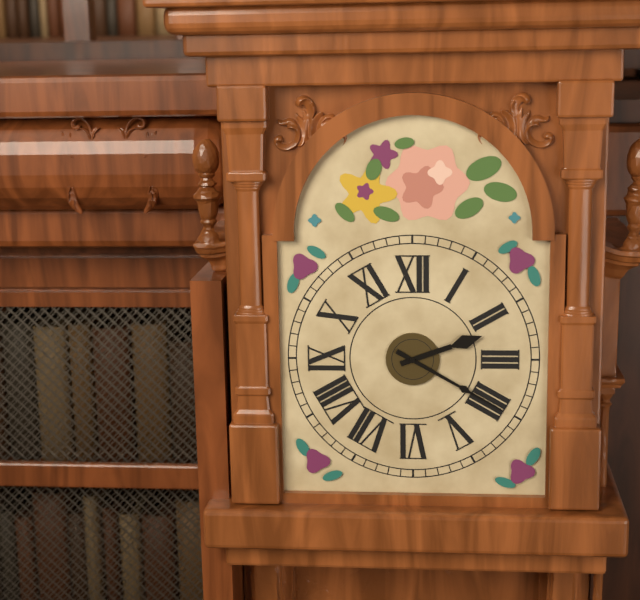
{"hour": 2, "minute": 20}
